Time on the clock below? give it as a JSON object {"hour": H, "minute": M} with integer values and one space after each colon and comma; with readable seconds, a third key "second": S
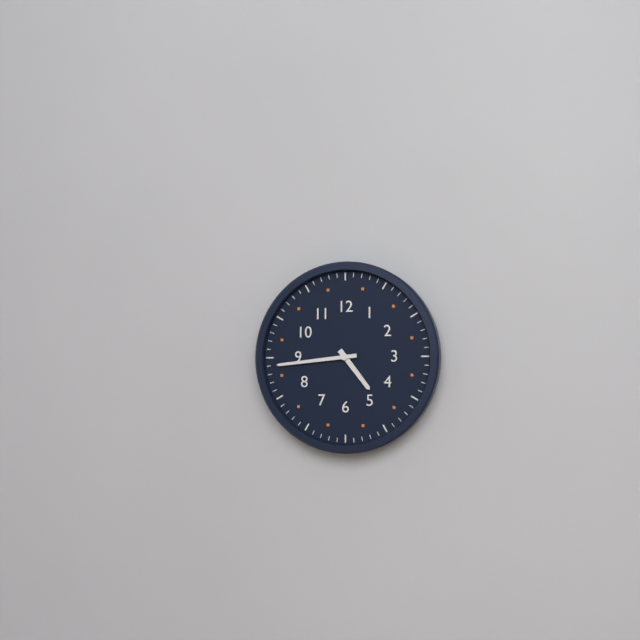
{"hour": 4, "minute": 44}
